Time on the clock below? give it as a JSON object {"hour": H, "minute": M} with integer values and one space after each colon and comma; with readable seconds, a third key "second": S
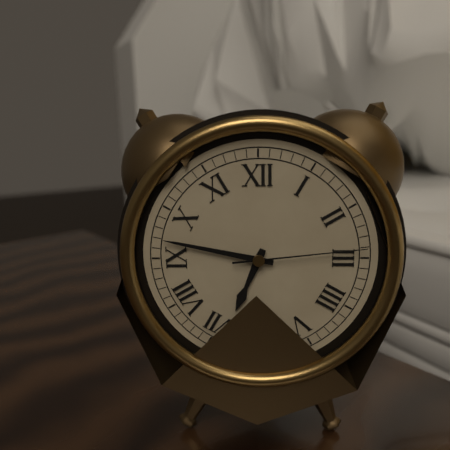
{"hour": 6, "minute": 47, "second": 14}
